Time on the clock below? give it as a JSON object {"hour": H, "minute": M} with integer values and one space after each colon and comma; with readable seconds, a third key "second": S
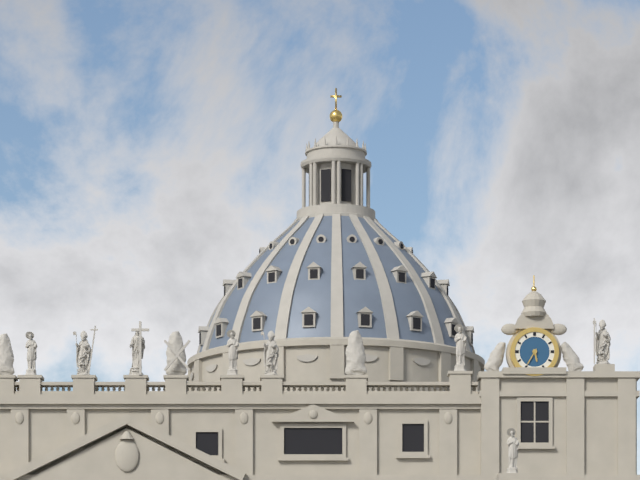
{"hour": 5, "minute": 35}
